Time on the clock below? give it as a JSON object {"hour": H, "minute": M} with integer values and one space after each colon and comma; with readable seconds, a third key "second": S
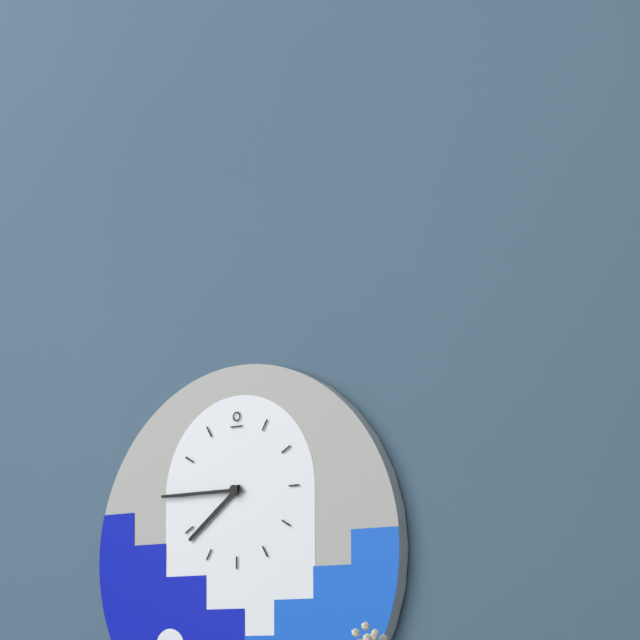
{"hour": 7, "minute": 45}
